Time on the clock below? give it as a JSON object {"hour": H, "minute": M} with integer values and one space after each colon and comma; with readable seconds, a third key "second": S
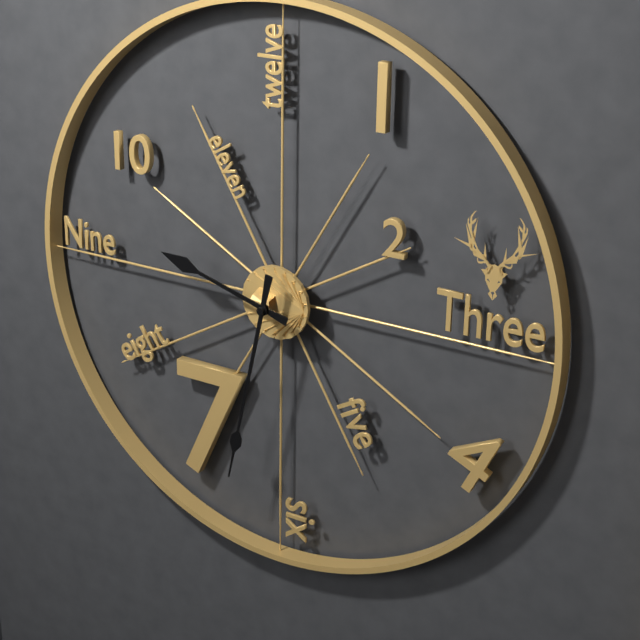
{"hour": 9, "minute": 32}
